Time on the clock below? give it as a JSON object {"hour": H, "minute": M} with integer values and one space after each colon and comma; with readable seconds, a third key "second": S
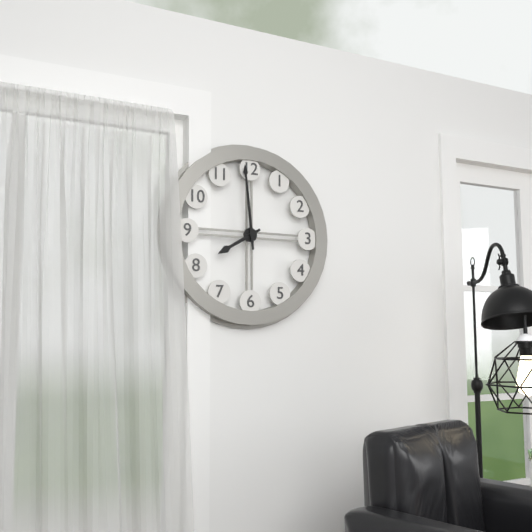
{"hour": 7, "minute": 59}
